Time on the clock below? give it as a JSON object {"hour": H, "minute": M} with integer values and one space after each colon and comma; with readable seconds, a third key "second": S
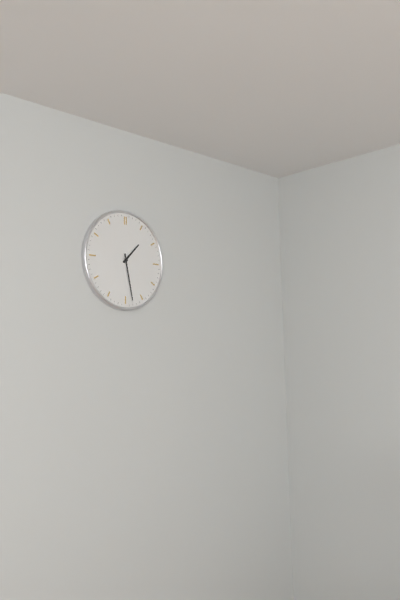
{"hour": 1, "minute": 28}
